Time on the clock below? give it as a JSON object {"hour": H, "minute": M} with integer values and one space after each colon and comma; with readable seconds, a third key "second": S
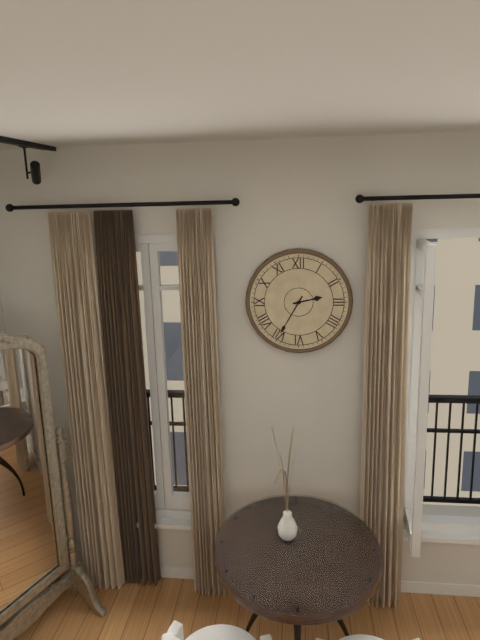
{"hour": 2, "minute": 35}
